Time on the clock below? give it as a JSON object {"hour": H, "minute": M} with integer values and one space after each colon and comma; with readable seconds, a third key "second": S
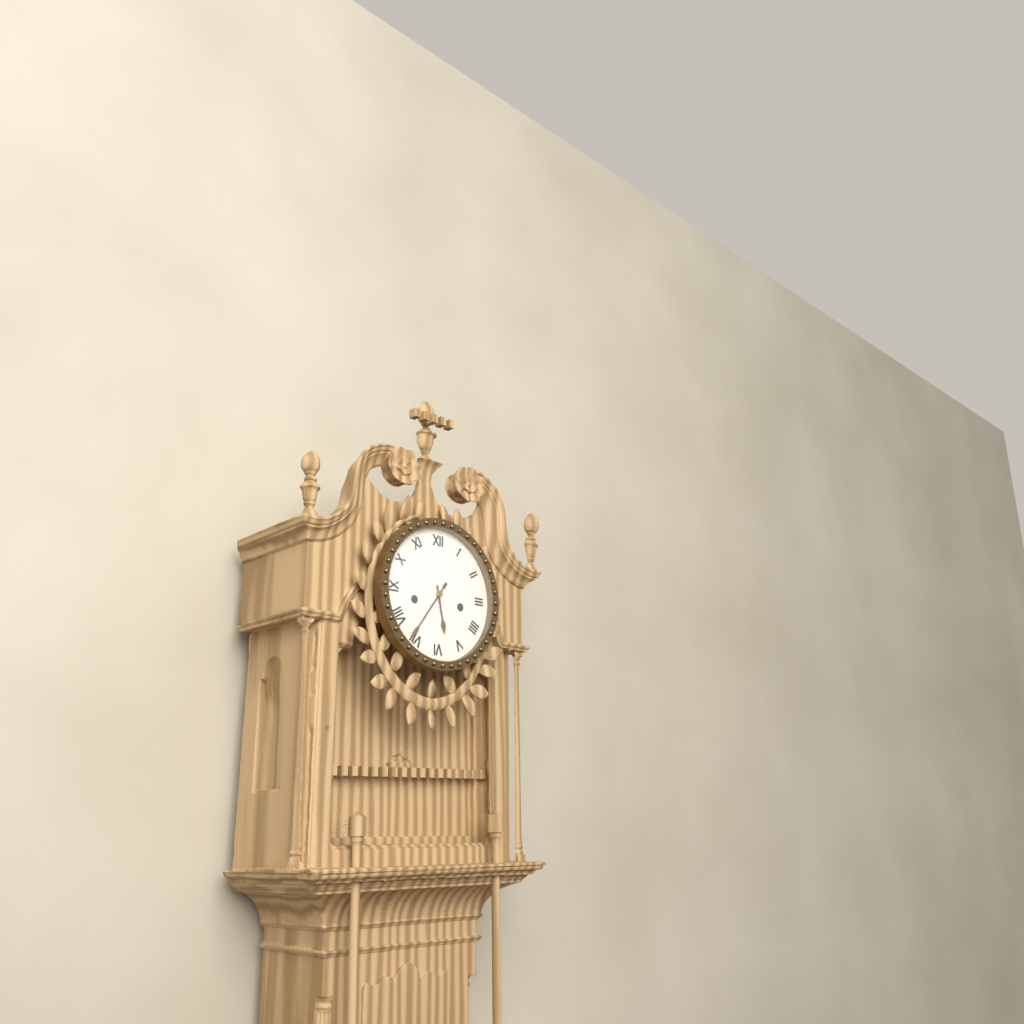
{"hour": 5, "minute": 36}
